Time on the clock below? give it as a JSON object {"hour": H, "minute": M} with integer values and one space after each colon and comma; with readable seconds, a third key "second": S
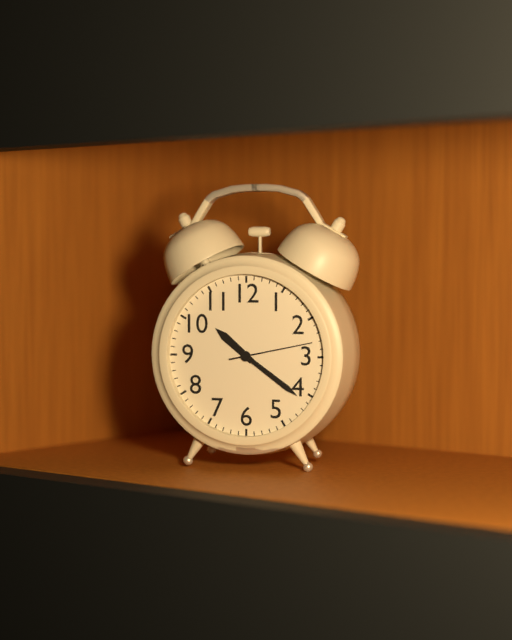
{"hour": 10, "minute": 21, "second": 13}
